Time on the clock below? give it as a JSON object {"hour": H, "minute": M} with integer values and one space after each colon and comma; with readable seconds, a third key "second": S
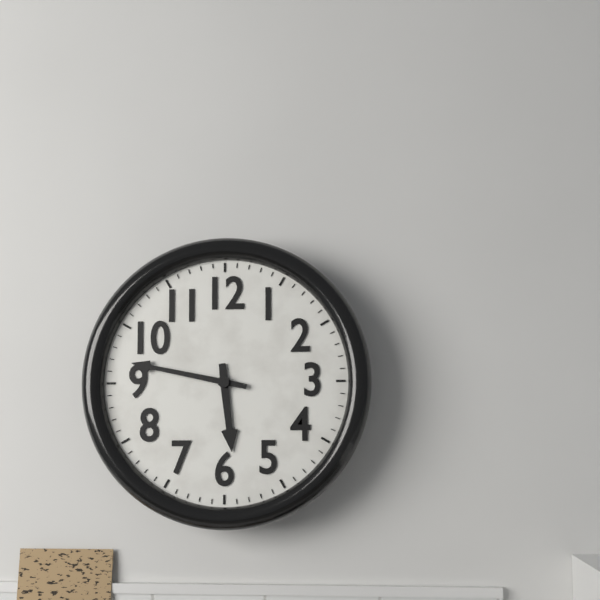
{"hour": 5, "minute": 47}
